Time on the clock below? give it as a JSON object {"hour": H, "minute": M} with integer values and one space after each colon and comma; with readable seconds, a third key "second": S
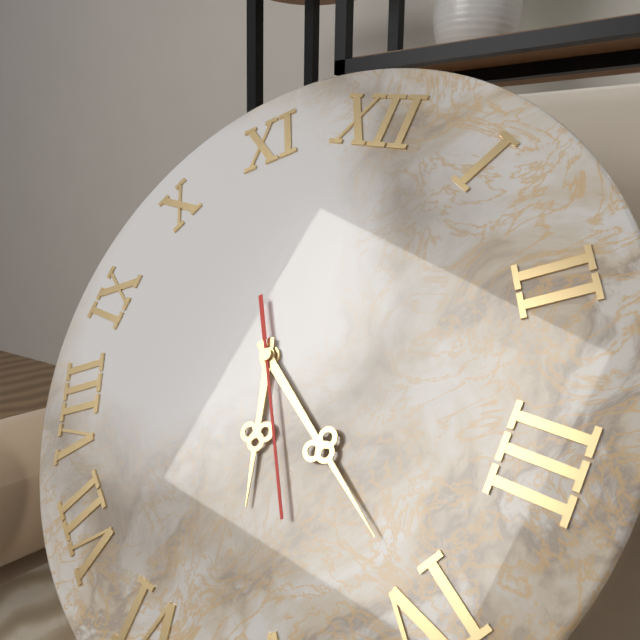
{"hour": 5, "minute": 20, "second": 24}
